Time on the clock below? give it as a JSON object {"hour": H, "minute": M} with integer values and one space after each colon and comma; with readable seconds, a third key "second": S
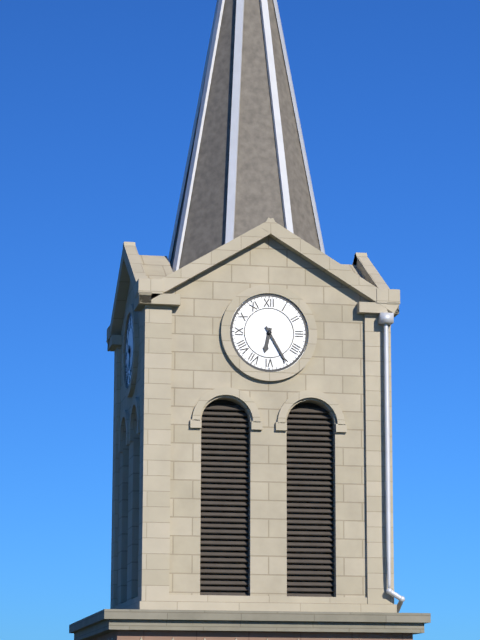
{"hour": 6, "minute": 25}
